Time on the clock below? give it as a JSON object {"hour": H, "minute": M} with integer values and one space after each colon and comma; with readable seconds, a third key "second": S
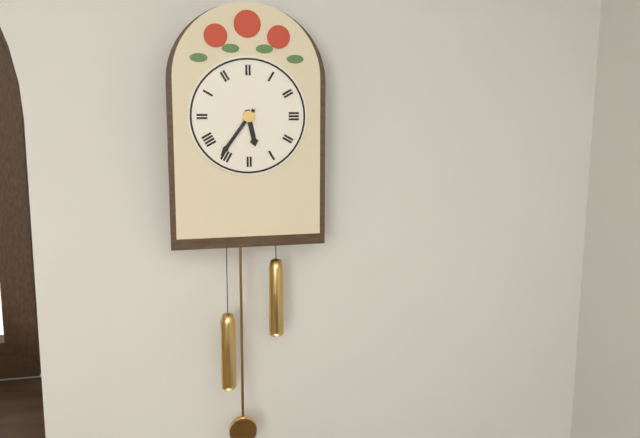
{"hour": 5, "minute": 36}
